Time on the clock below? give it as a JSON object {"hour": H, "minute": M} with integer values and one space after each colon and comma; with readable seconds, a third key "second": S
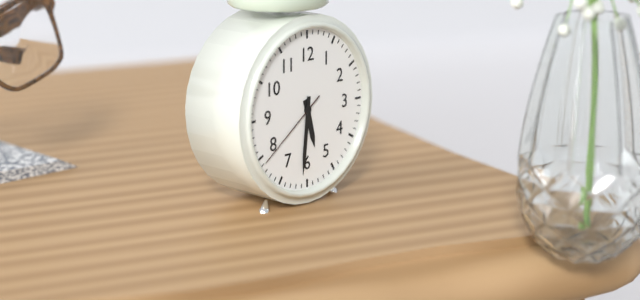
{"hour": 5, "minute": 31, "second": 39}
